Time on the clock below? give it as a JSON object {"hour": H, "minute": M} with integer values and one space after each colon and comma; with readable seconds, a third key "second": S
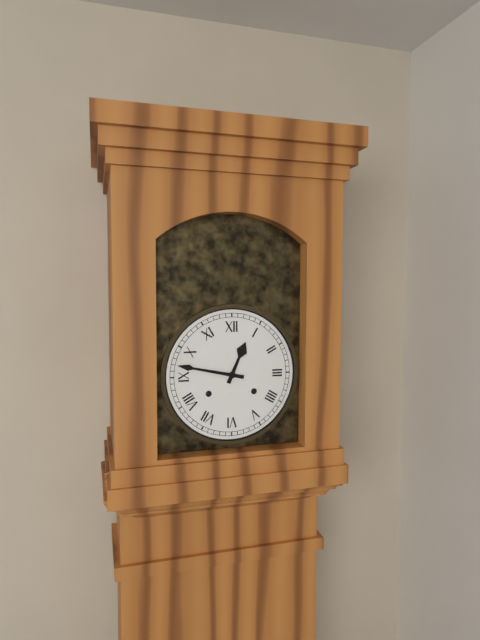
{"hour": 12, "minute": 47}
